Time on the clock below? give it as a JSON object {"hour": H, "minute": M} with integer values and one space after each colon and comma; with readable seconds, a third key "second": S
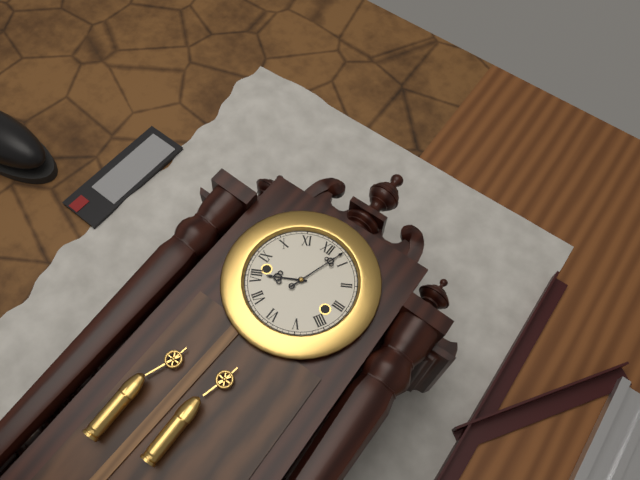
{"hour": 8, "minute": 3}
